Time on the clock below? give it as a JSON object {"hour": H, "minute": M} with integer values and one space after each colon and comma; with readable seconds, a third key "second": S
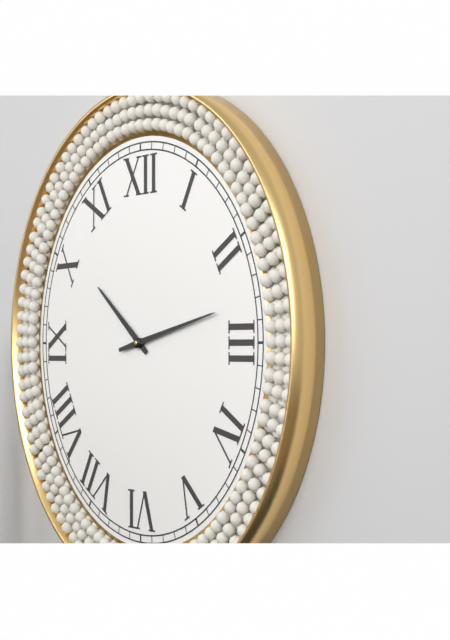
{"hour": 10, "minute": 13}
